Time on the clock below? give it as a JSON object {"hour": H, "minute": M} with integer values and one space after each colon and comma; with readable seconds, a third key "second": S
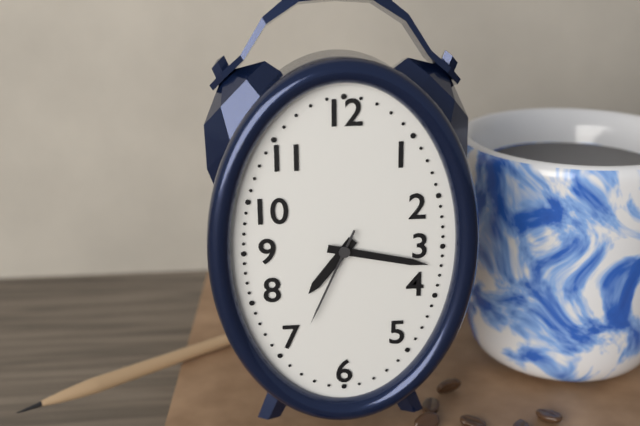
{"hour": 7, "minute": 17, "second": 34}
